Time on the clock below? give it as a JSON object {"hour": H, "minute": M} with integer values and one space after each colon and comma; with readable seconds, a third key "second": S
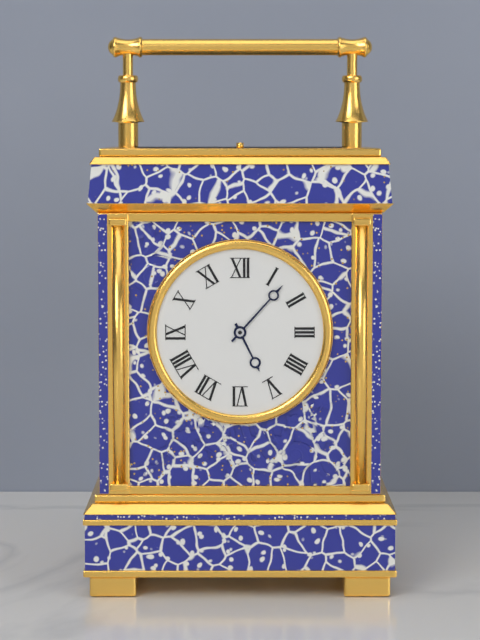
{"hour": 5, "minute": 7}
